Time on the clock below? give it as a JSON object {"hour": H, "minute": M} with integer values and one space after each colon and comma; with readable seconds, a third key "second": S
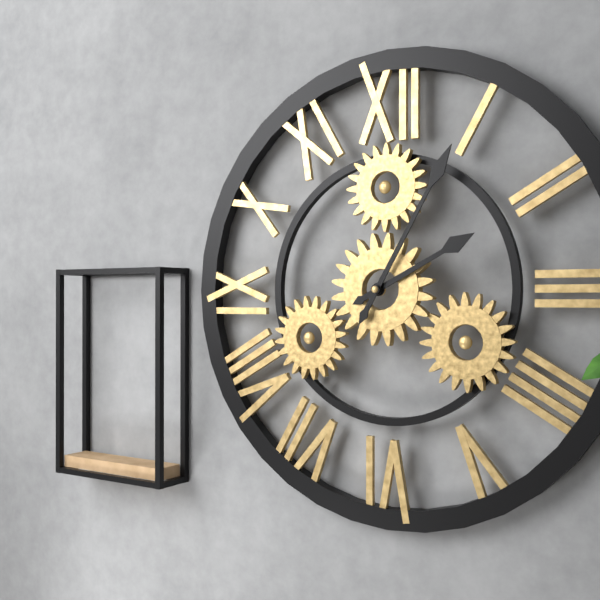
{"hour": 2, "minute": 5}
